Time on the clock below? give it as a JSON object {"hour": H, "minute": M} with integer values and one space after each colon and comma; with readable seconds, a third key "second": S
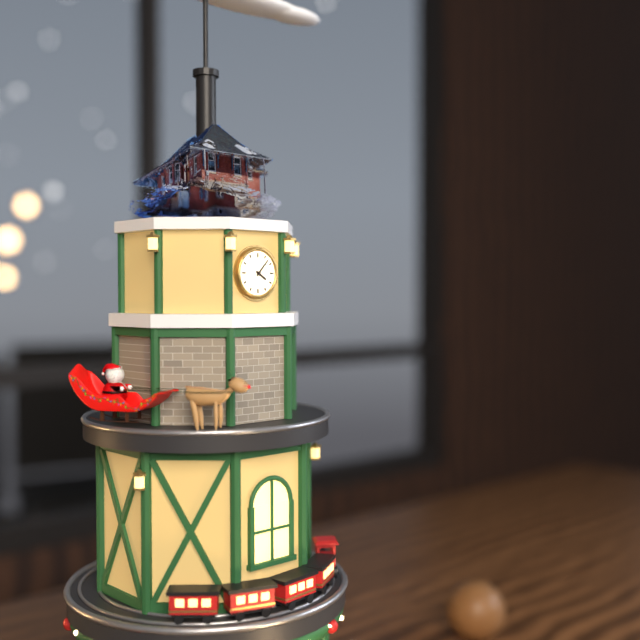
{"hour": 4, "minute": 7}
